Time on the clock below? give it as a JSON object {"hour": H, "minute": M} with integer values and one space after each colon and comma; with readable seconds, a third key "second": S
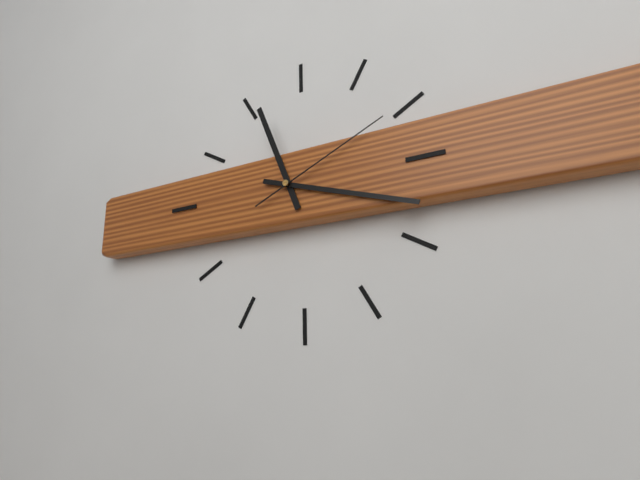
{"hour": 11, "minute": 18, "second": 11}
